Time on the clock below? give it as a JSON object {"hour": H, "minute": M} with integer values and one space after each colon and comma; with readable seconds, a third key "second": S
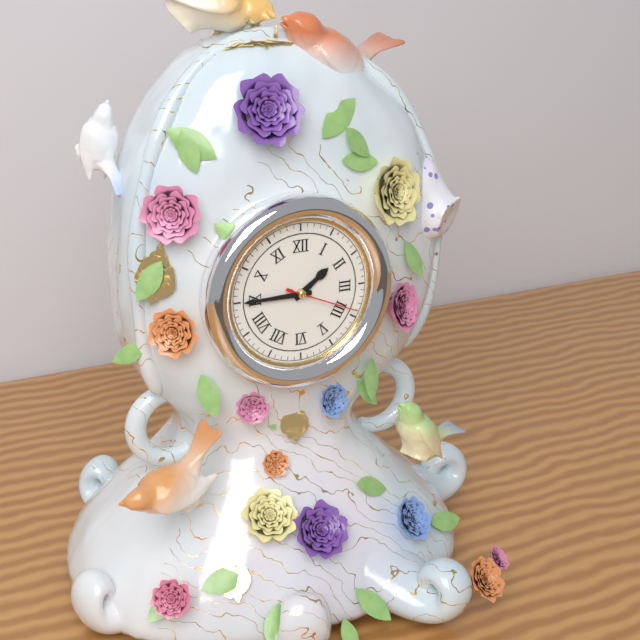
{"hour": 1, "minute": 45, "second": 19}
